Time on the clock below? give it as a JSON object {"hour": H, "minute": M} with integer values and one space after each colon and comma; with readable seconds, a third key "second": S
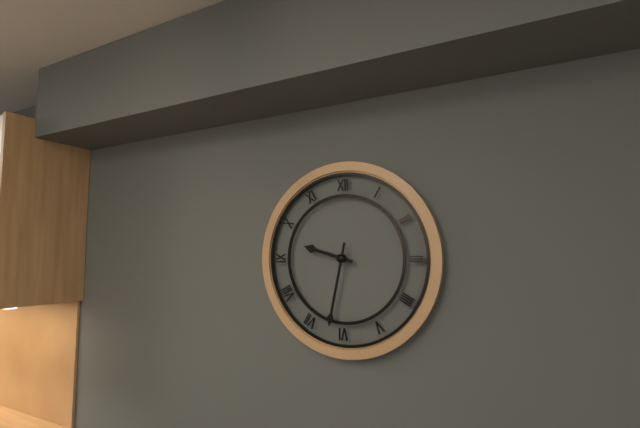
{"hour": 9, "minute": 32}
